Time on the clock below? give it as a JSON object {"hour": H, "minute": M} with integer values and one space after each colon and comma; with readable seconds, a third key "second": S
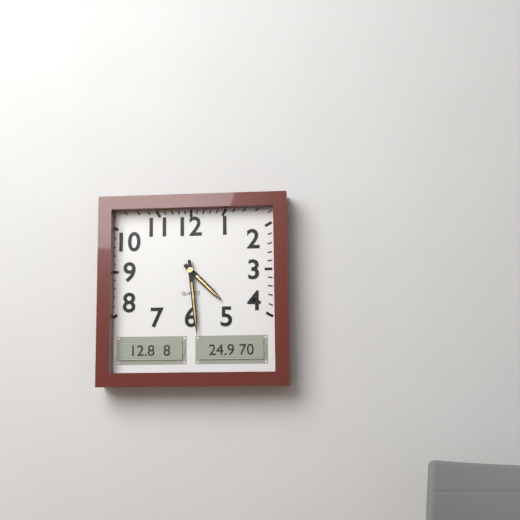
{"hour": 4, "minute": 29}
